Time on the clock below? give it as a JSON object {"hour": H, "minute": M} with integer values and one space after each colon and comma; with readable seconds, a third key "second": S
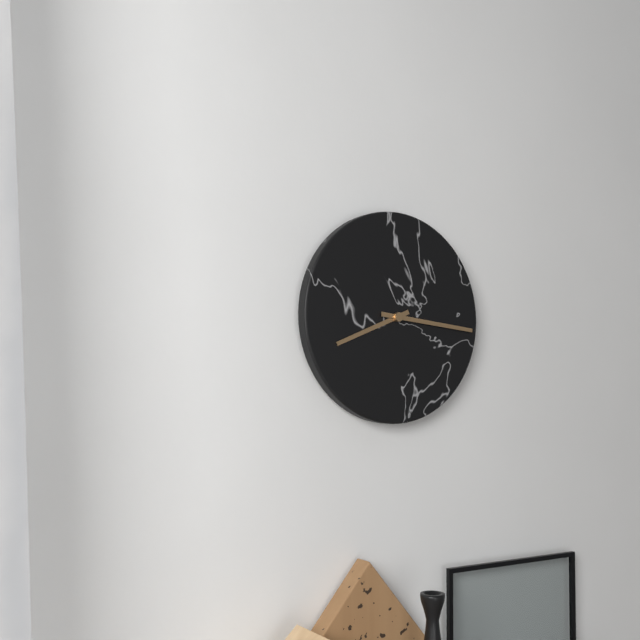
{"hour": 8, "minute": 16}
